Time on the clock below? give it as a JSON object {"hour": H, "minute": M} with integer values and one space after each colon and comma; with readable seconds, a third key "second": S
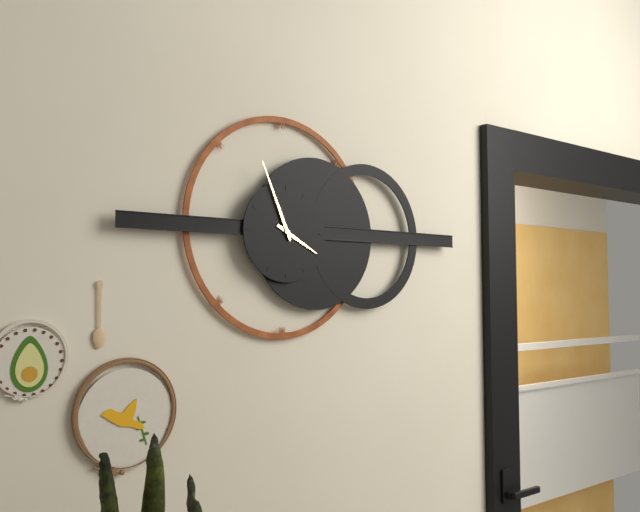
{"hour": 3, "minute": 56}
